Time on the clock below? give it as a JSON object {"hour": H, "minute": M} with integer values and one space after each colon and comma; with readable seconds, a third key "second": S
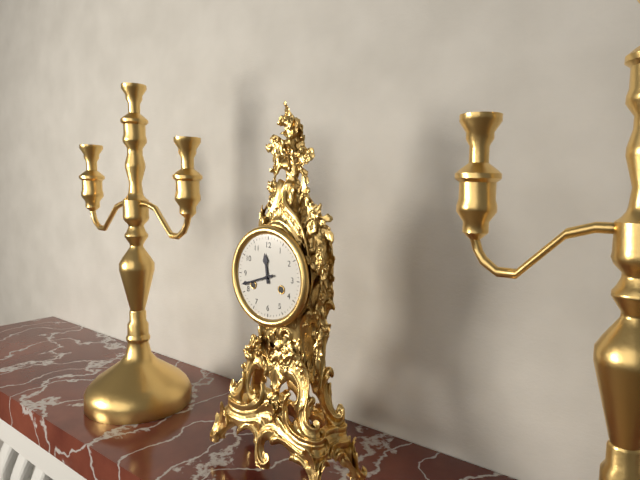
{"hour": 11, "minute": 42}
